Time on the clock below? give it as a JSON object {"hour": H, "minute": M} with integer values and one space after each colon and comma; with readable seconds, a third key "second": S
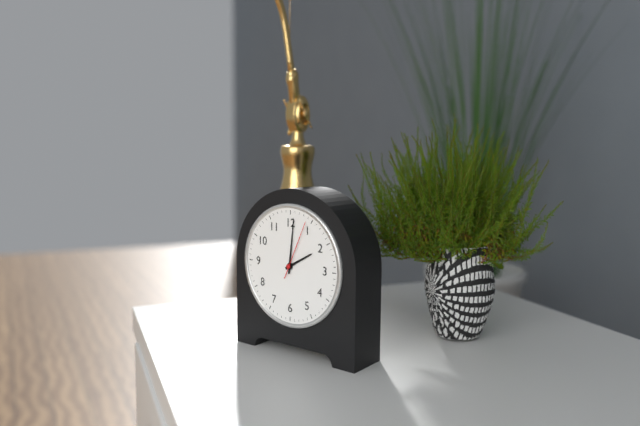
{"hour": 2, "minute": 1, "second": 4}
